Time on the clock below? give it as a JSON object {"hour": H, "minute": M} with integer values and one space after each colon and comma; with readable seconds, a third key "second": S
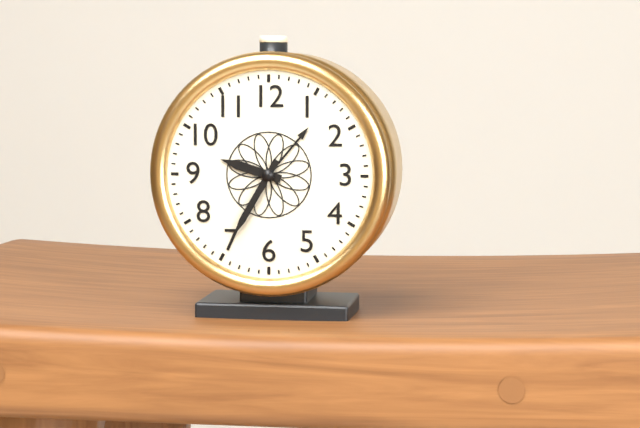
{"hour": 9, "minute": 35}
